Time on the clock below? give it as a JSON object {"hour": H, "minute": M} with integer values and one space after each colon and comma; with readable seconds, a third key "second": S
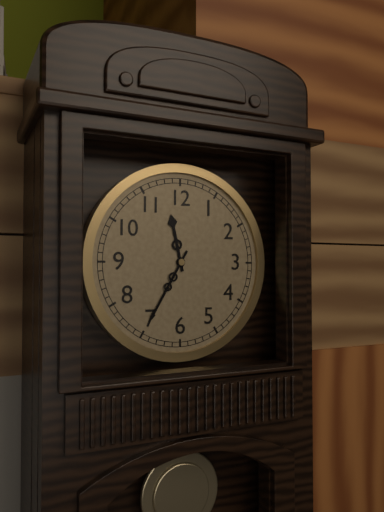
{"hour": 11, "minute": 35}
